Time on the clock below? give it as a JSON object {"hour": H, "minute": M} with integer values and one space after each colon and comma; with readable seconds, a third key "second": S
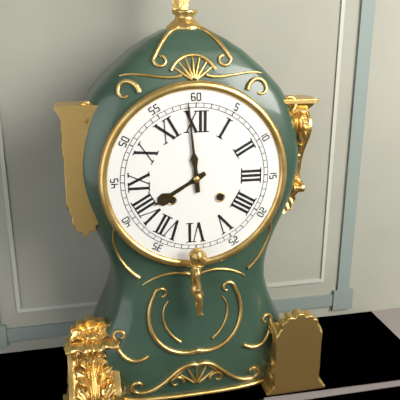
{"hour": 7, "minute": 59}
